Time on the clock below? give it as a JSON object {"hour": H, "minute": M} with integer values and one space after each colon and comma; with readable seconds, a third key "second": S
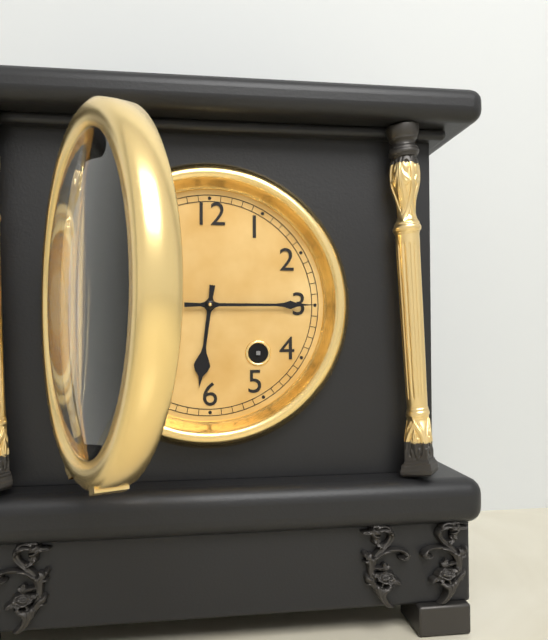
{"hour": 6, "minute": 15}
